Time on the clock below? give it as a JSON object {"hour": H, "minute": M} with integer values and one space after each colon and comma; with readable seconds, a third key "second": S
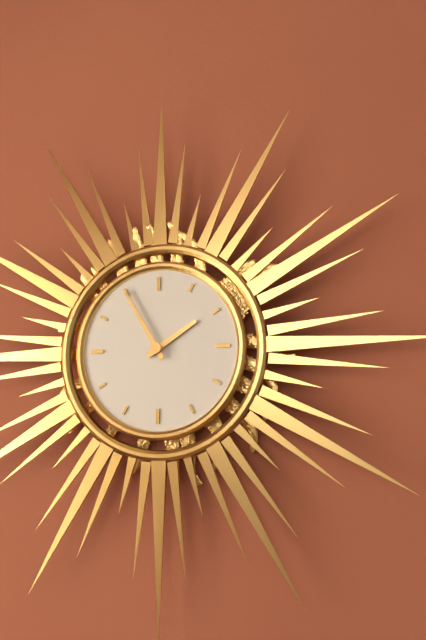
{"hour": 1, "minute": 55}
